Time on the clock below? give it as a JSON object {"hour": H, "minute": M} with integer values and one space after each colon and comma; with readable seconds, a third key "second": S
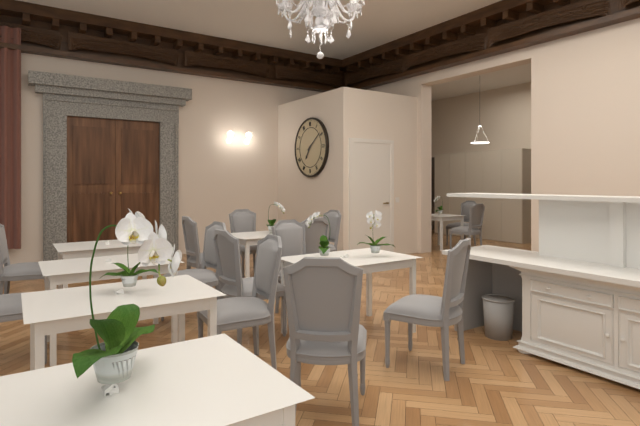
{"hour": 7, "minute": 9}
